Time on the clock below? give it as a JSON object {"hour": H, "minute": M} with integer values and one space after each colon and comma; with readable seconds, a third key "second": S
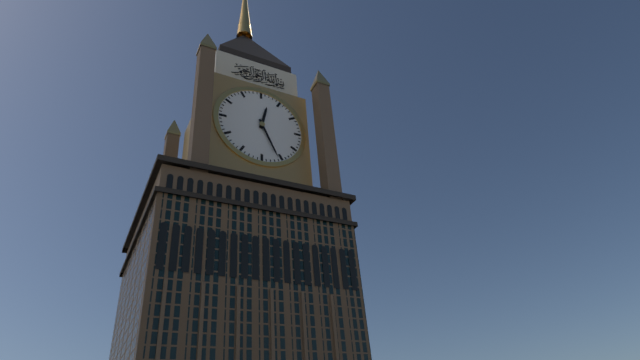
{"hour": 12, "minute": 26}
